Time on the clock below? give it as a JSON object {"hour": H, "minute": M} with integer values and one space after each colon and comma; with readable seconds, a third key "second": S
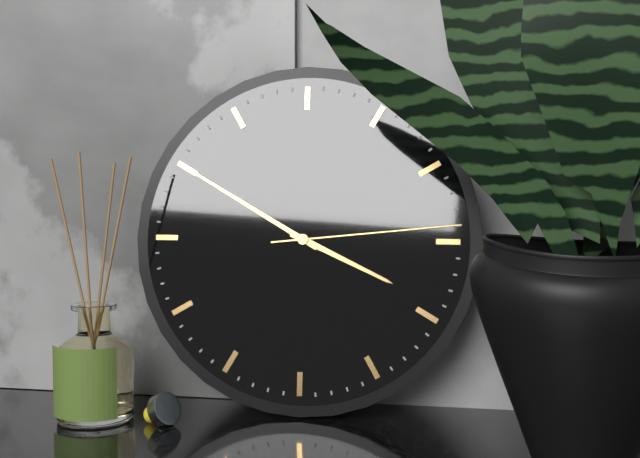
{"hour": 3, "minute": 50, "second": 14}
